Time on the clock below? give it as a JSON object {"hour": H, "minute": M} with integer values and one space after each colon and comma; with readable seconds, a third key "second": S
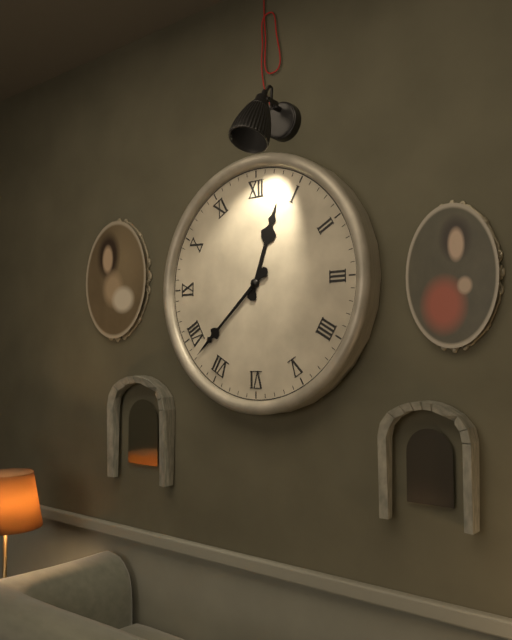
{"hour": 12, "minute": 38}
